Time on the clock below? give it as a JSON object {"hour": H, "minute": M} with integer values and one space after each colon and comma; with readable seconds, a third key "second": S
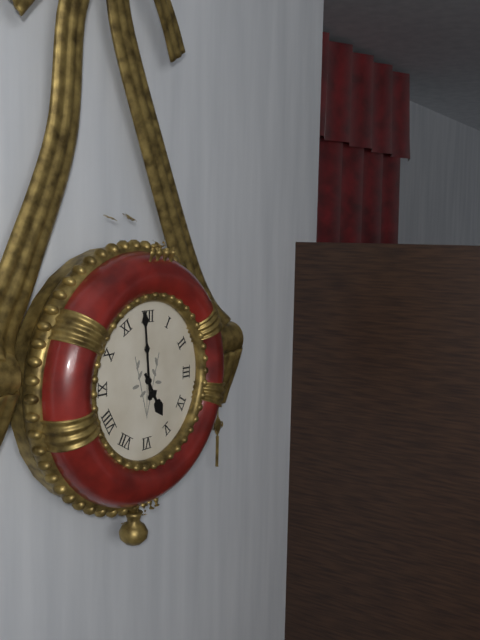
{"hour": 4, "minute": 59}
